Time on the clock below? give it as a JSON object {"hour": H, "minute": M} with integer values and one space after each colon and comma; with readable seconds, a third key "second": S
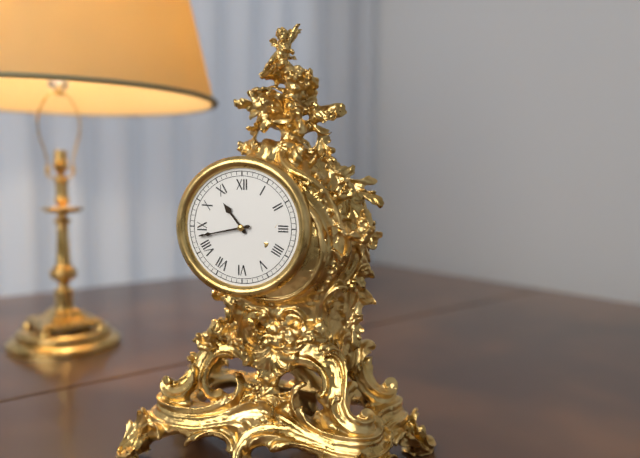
{"hour": 10, "minute": 43}
